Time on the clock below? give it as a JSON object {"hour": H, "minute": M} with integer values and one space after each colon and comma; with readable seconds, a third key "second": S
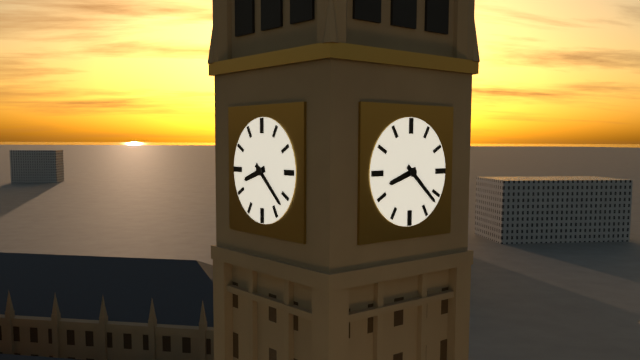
{"hour": 8, "minute": 22}
